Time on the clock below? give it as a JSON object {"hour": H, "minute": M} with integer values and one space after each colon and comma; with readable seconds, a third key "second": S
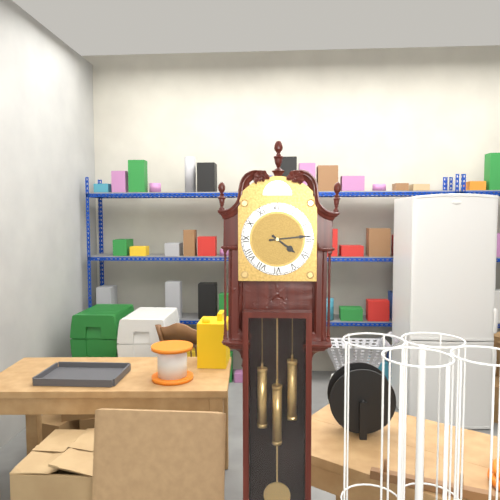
{"hour": 4, "minute": 14}
